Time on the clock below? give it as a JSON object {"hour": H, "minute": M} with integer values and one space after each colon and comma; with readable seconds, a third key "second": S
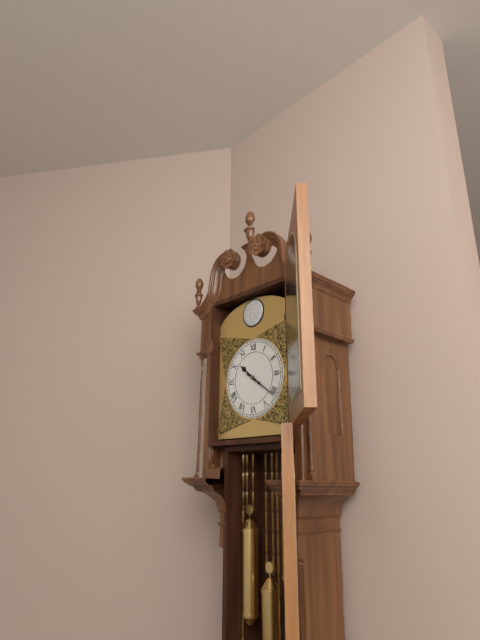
{"hour": 10, "minute": 21}
